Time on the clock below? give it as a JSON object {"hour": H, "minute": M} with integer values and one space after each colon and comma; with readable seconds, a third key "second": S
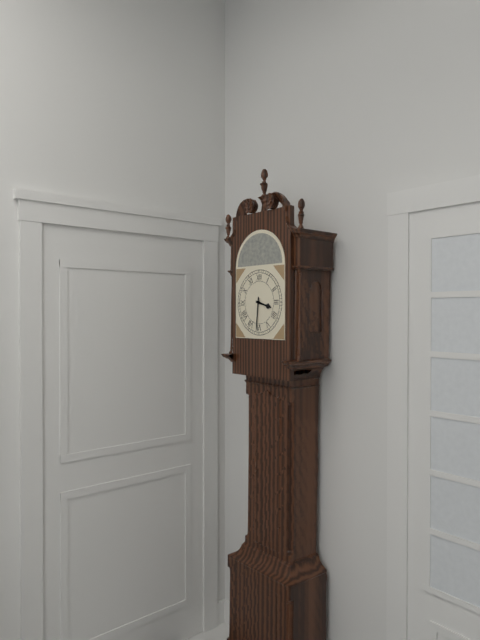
{"hour": 3, "minute": 31}
